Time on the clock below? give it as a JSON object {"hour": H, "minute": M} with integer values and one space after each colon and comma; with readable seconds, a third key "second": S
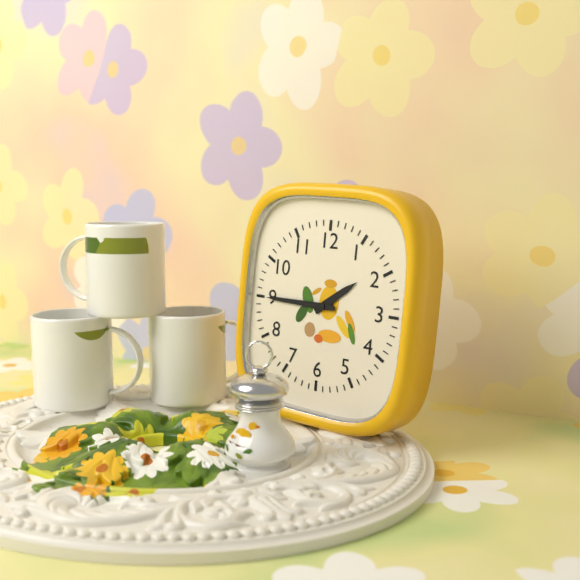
{"hour": 1, "minute": 45}
